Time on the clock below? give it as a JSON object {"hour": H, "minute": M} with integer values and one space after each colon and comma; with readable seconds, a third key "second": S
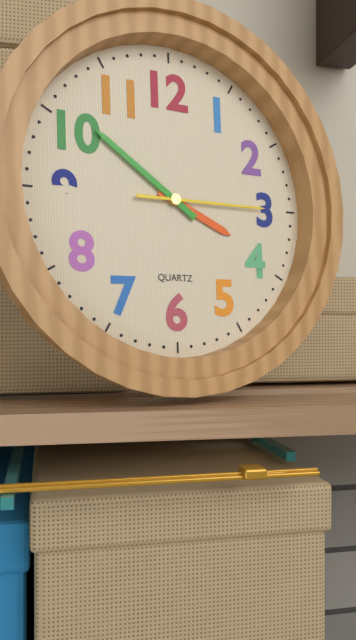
{"hour": 3, "minute": 51, "second": 15}
